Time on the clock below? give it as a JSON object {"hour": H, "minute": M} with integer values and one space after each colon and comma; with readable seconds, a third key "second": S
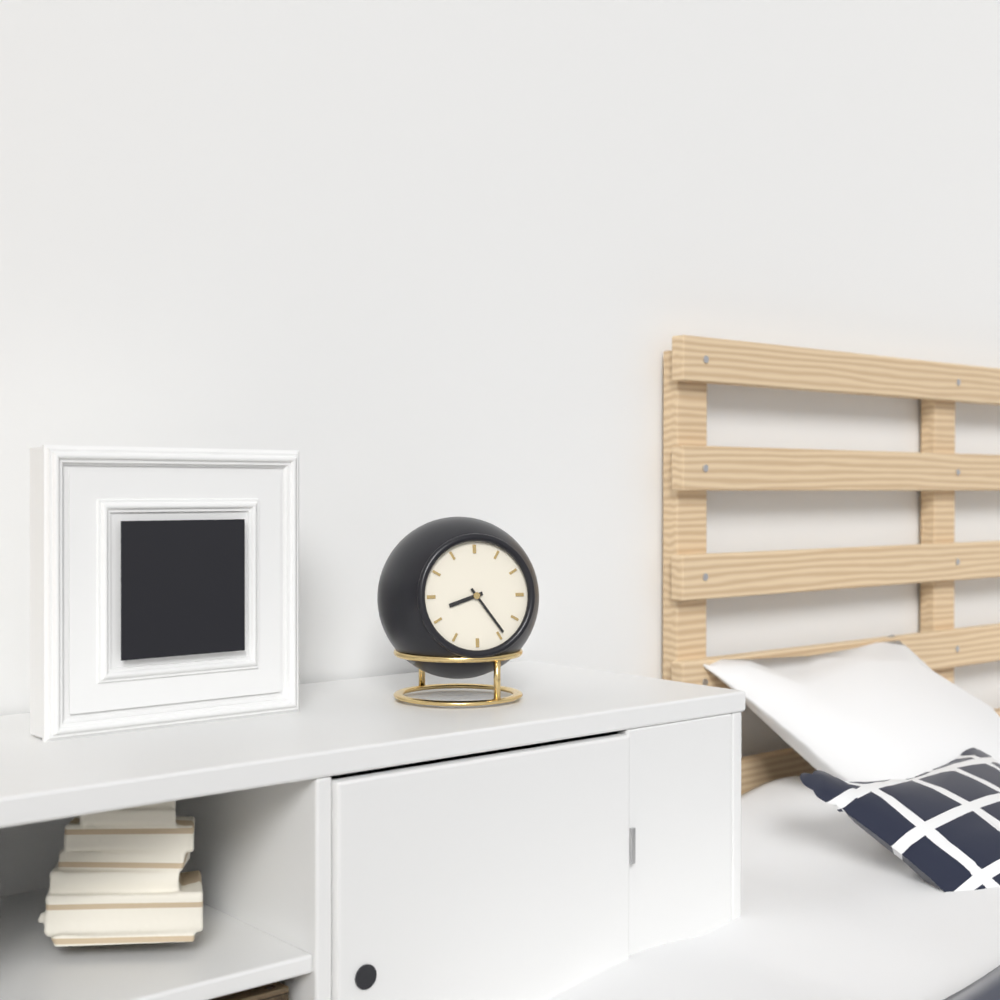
{"hour": 8, "minute": 24}
